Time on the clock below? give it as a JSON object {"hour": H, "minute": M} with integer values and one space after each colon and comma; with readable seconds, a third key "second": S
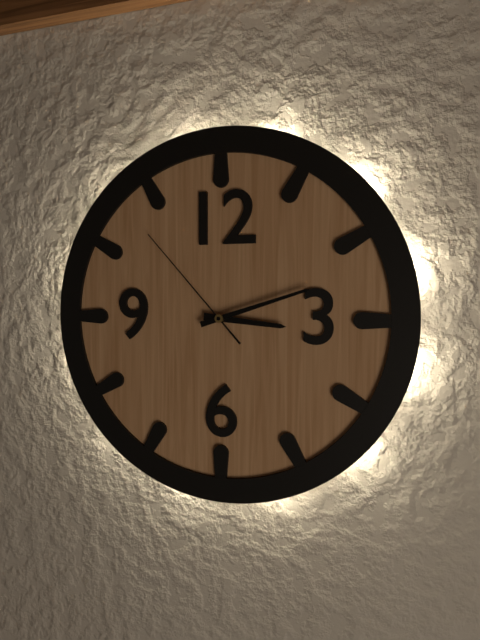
{"hour": 3, "minute": 12, "second": 53}
